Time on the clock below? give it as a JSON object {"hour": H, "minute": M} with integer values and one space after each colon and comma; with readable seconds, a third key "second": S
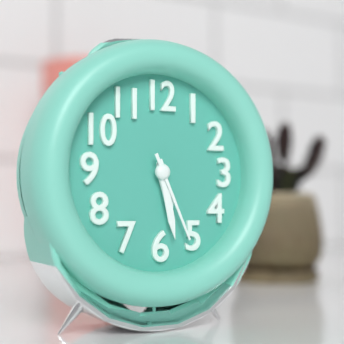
{"hour": 5, "minute": 28, "second": 26}
